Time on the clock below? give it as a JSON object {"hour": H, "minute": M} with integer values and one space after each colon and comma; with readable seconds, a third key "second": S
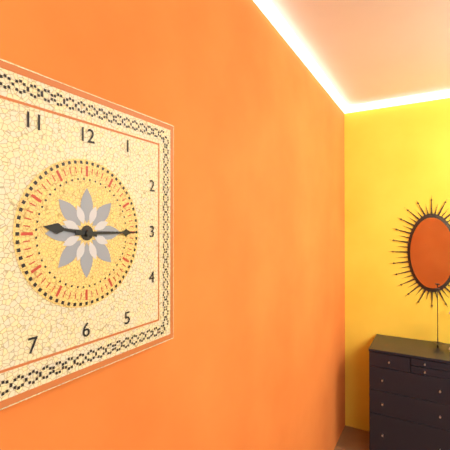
{"hour": 9, "minute": 15}
